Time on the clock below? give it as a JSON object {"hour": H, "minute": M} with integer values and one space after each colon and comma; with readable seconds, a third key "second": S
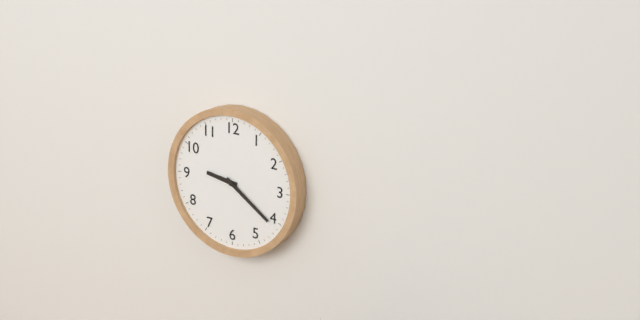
{"hour": 9, "minute": 21}
